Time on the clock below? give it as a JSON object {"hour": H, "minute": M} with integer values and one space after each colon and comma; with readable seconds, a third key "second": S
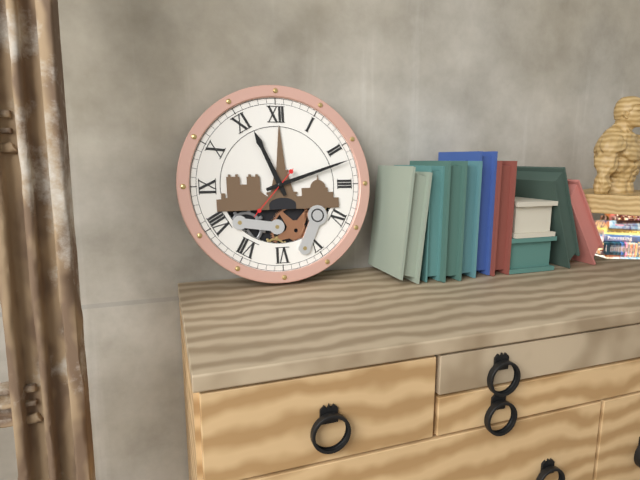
{"hour": 11, "minute": 12, "second": 37}
